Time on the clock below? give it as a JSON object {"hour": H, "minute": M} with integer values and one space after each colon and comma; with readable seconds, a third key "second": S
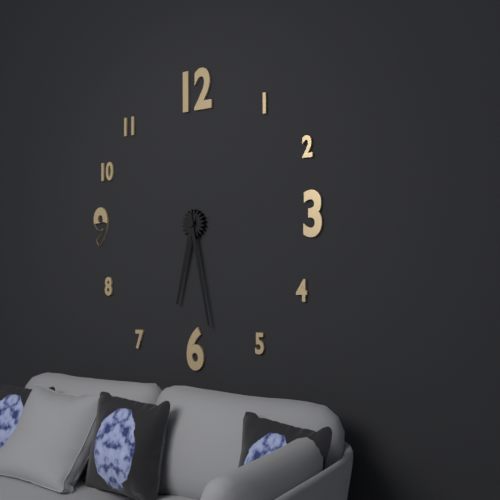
{"hour": 6, "minute": 28}
